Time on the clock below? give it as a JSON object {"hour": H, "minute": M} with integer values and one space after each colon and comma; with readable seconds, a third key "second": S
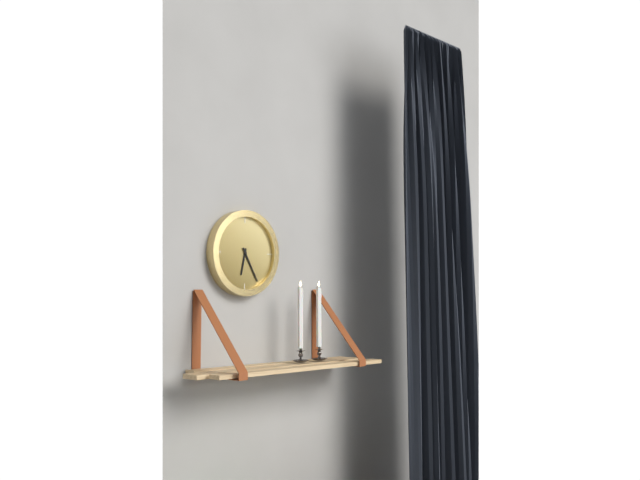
{"hour": 6, "minute": 25}
